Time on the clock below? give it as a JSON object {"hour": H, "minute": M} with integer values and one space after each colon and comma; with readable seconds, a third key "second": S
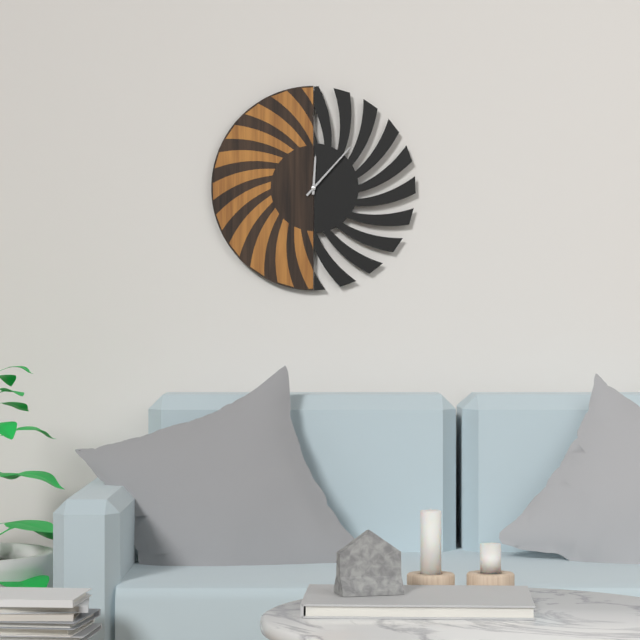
{"hour": 12, "minute": 7}
